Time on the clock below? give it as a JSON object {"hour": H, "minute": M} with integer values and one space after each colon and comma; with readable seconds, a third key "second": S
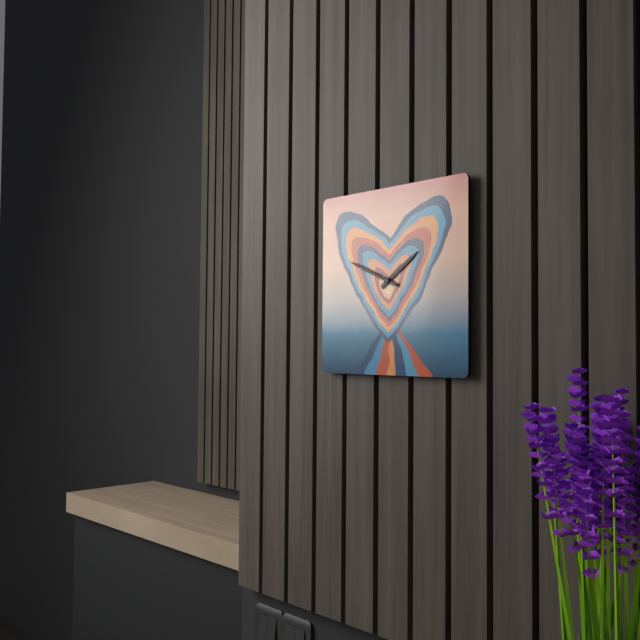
{"hour": 1, "minute": 49}
